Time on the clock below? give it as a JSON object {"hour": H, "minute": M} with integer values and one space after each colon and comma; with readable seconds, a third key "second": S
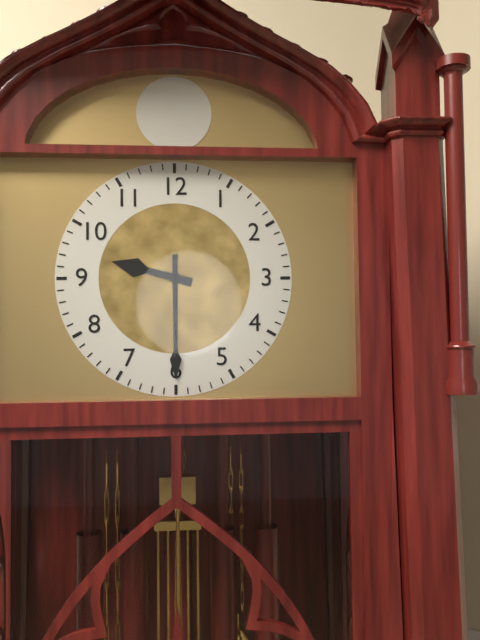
{"hour": 9, "minute": 30}
